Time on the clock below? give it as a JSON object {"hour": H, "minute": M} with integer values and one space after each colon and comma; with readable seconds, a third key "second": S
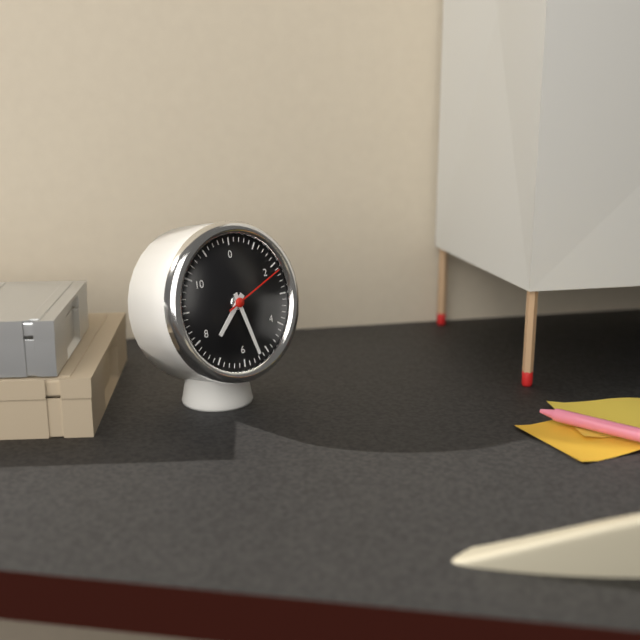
{"hour": 7, "minute": 27, "second": 11}
